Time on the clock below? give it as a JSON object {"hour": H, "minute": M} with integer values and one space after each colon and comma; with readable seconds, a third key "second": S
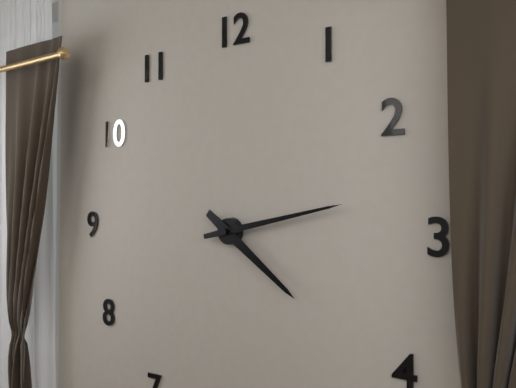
{"hour": 4, "minute": 13}
